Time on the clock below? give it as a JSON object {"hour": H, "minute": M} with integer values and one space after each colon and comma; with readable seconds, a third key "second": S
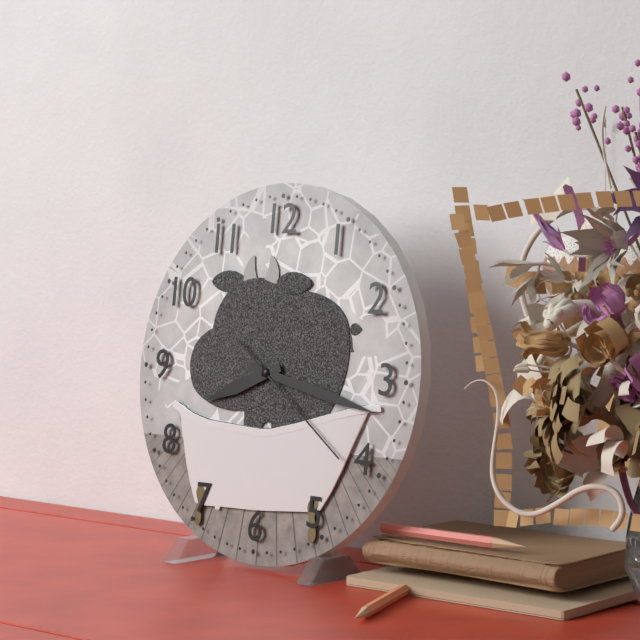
{"hour": 8, "minute": 17, "second": 21}
